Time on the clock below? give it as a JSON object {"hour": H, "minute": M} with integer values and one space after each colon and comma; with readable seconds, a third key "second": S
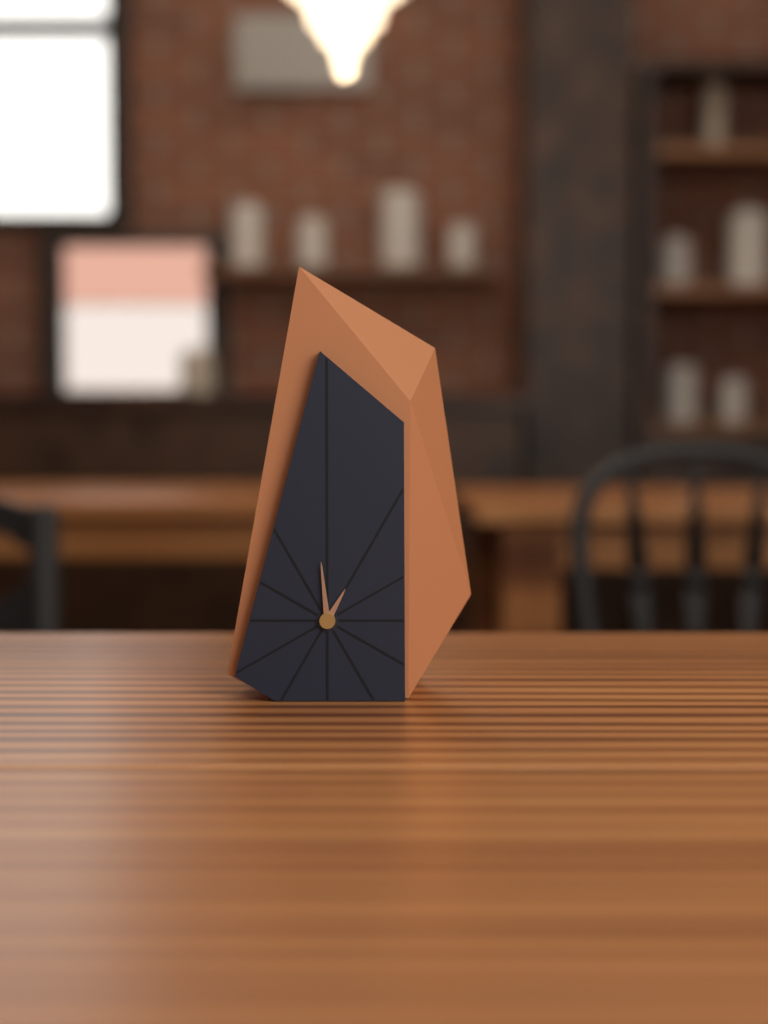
{"hour": 12, "minute": 59}
